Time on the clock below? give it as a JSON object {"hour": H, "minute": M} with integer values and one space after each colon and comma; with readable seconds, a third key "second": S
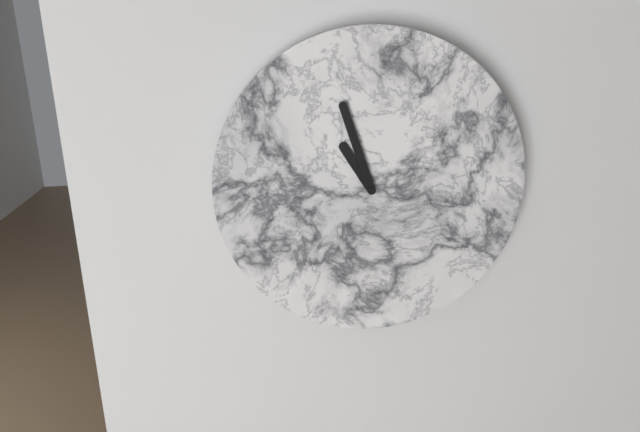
{"hour": 10, "minute": 57}
